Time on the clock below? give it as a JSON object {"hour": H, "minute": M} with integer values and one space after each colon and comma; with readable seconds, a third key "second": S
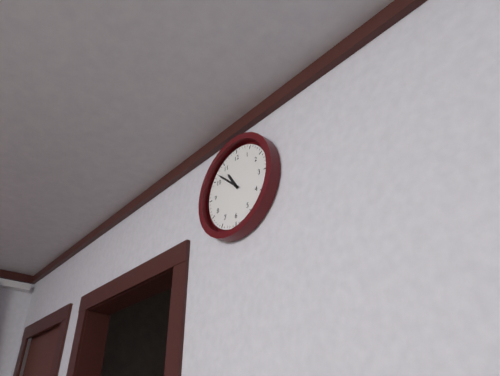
{"hour": 10, "minute": 52}
